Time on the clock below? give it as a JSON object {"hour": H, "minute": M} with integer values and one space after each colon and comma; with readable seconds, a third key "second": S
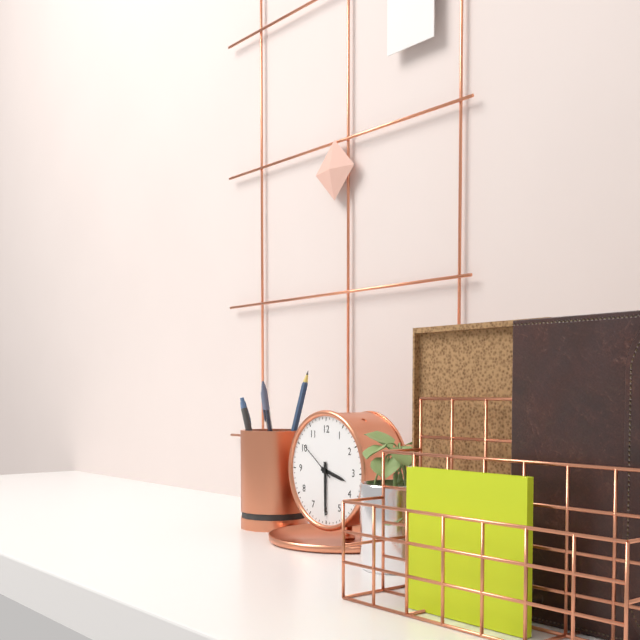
{"hour": 3, "minute": 30}
